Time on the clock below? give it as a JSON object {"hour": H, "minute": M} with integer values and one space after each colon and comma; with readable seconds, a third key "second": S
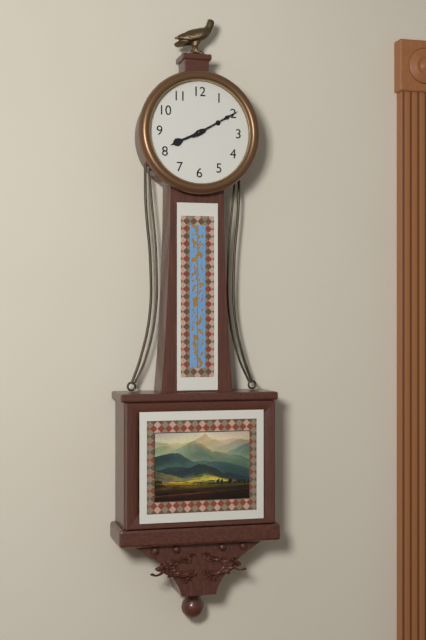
{"hour": 8, "minute": 10}
